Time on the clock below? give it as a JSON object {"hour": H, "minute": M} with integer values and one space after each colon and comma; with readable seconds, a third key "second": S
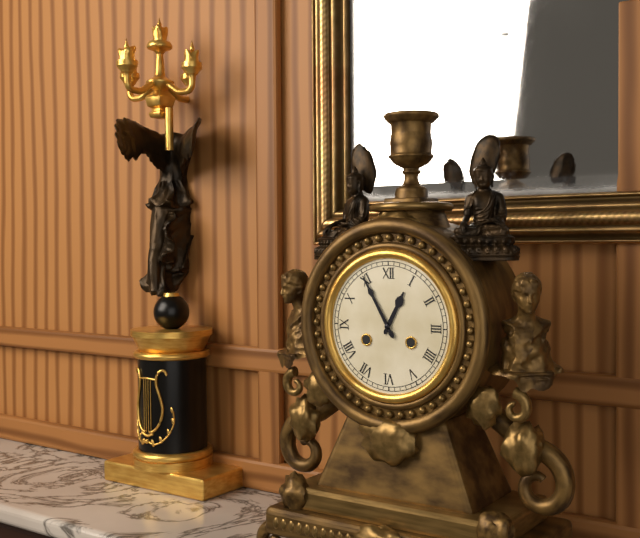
{"hour": 12, "minute": 55}
